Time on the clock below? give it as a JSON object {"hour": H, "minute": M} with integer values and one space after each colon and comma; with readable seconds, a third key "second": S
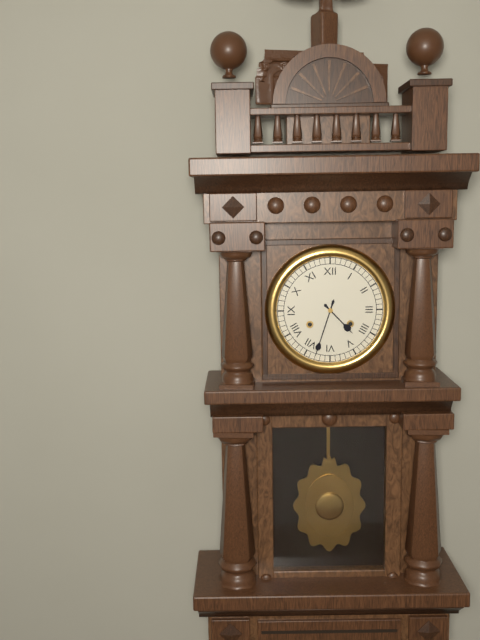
{"hour": 4, "minute": 33}
